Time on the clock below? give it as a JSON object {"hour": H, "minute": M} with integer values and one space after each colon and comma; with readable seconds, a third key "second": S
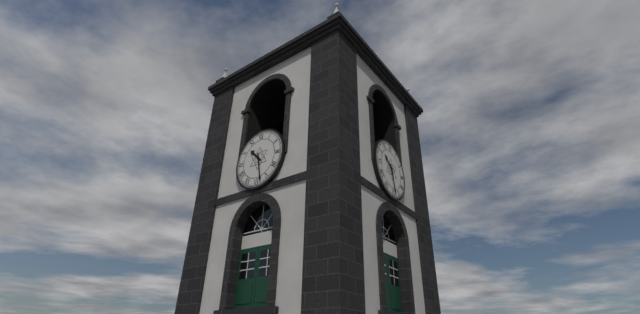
{"hour": 10, "minute": 28}
